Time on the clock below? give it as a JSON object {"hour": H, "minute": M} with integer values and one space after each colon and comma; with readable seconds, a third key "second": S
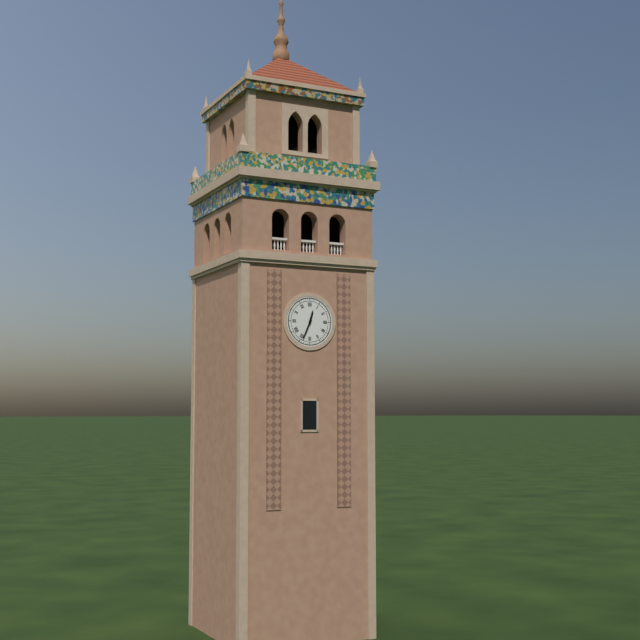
{"hour": 12, "minute": 34}
